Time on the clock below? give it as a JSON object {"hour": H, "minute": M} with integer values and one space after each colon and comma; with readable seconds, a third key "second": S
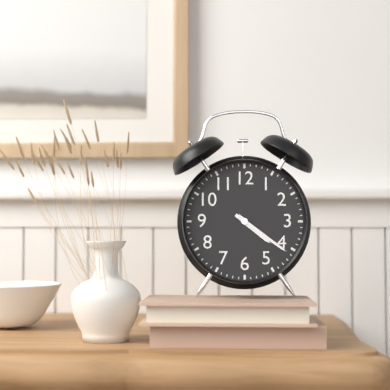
{"hour": 4, "minute": 21}
